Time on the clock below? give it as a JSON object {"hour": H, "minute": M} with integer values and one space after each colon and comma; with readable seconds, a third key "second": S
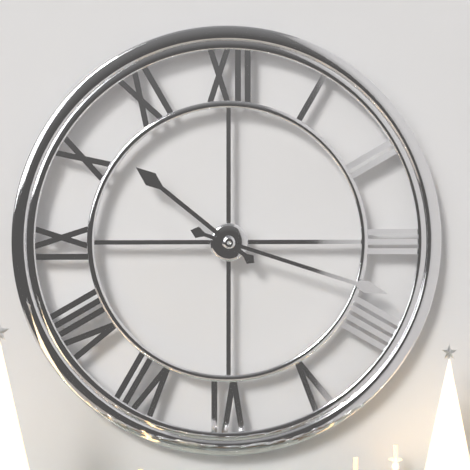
{"hour": 10, "minute": 18}
